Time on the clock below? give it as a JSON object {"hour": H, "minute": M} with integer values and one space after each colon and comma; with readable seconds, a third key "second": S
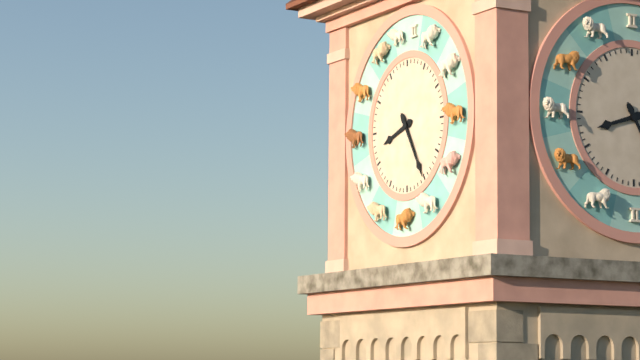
{"hour": 8, "minute": 25}
